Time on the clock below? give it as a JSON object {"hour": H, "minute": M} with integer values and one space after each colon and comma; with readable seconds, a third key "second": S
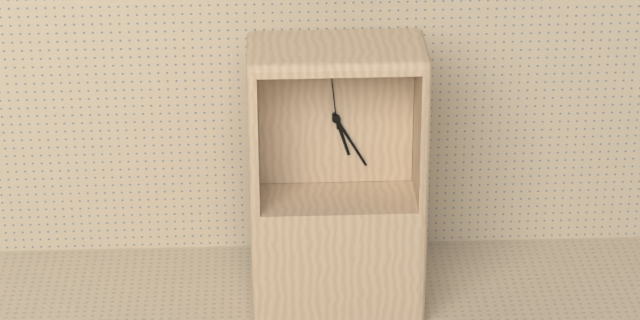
{"hour": 5, "minute": 25, "second": 59}
